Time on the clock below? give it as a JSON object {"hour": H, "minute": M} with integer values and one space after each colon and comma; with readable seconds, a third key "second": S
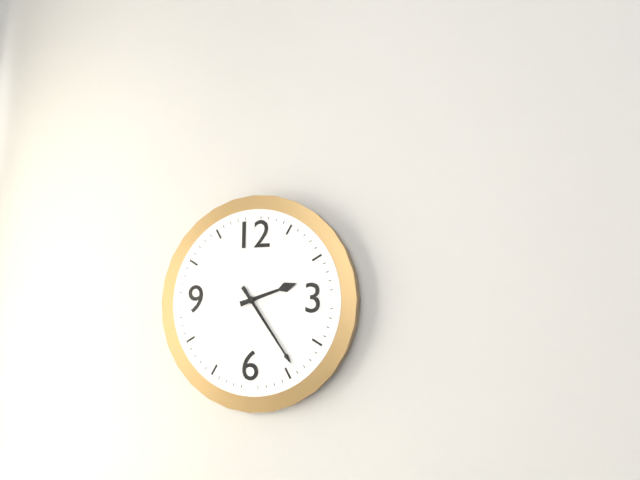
{"hour": 2, "minute": 24}
